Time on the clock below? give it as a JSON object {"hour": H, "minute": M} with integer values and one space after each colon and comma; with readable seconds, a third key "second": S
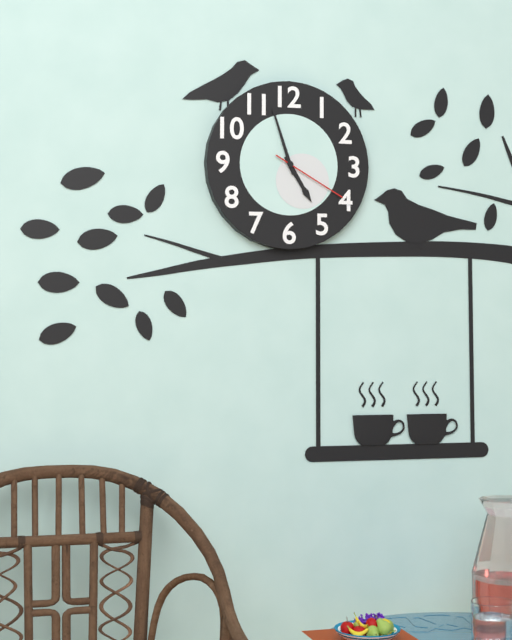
{"hour": 4, "minute": 57, "second": 20}
